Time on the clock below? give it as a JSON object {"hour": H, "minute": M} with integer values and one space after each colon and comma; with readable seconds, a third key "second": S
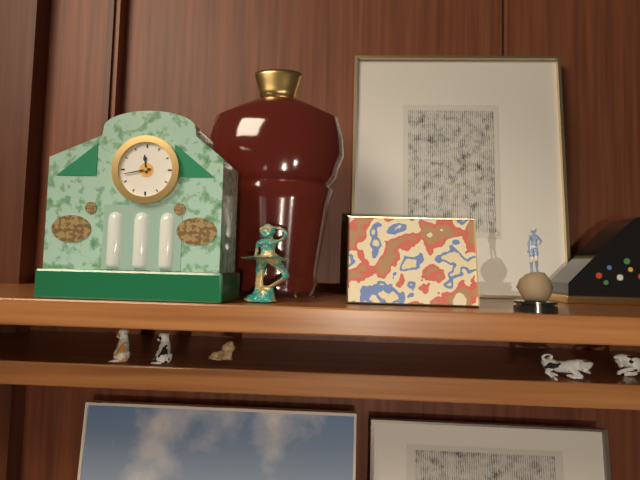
{"hour": 11, "minute": 43}
